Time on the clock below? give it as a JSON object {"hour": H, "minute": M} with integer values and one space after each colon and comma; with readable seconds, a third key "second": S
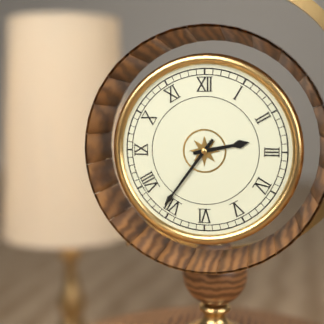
{"hour": 2, "minute": 36}
